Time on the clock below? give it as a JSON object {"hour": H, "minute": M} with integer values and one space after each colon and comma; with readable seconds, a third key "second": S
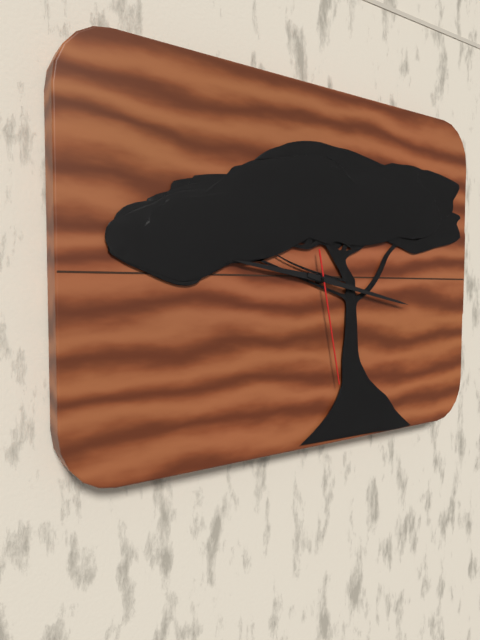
{"hour": 9, "minute": 17, "second": 28}
